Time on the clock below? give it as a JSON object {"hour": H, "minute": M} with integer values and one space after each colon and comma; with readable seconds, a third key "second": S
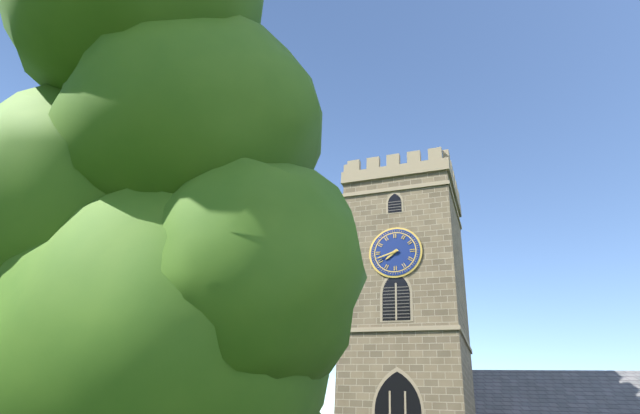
{"hour": 7, "minute": 42}
